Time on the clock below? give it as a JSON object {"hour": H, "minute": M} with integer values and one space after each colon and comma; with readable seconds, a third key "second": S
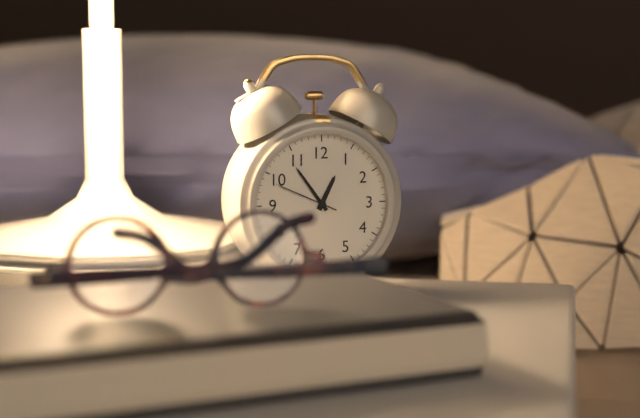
{"hour": 12, "minute": 54, "second": 49}
